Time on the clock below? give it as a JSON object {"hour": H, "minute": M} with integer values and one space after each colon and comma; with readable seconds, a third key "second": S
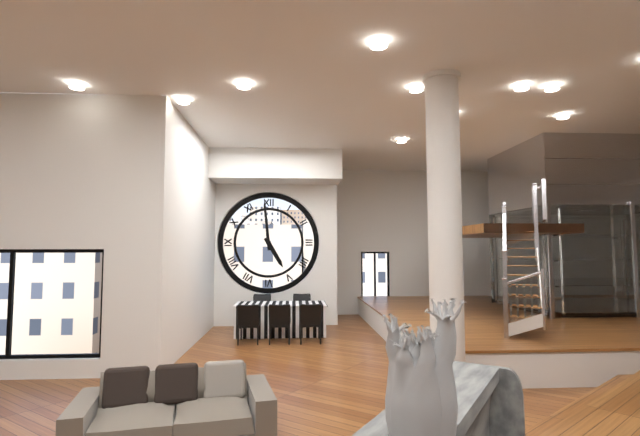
{"hour": 4, "minute": 59}
